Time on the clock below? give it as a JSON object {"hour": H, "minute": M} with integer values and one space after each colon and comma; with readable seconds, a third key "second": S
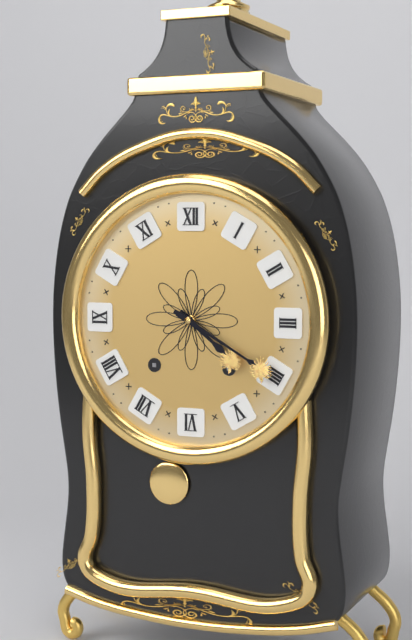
{"hour": 4, "minute": 20}
